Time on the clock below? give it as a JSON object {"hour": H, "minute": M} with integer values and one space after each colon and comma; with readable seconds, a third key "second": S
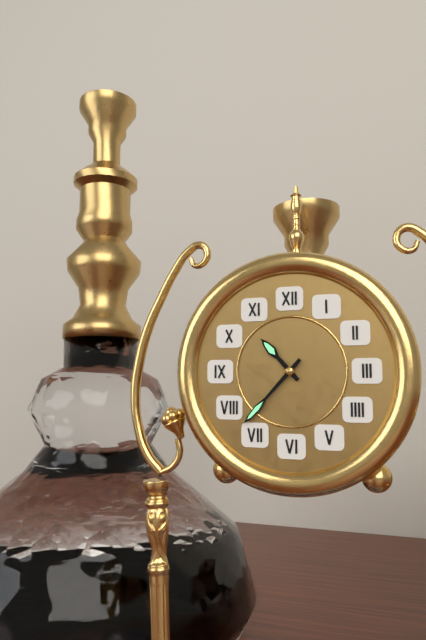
{"hour": 10, "minute": 37}
